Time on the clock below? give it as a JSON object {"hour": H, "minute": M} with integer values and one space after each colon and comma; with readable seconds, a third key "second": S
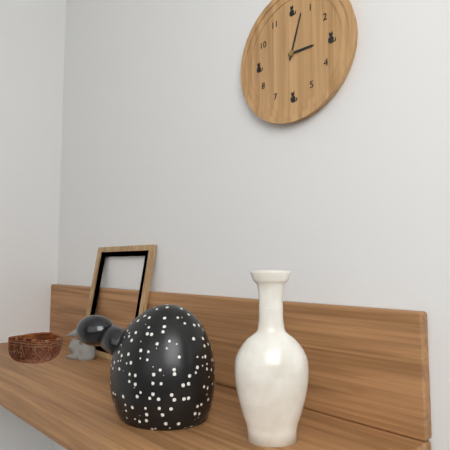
{"hour": 3, "minute": 3}
